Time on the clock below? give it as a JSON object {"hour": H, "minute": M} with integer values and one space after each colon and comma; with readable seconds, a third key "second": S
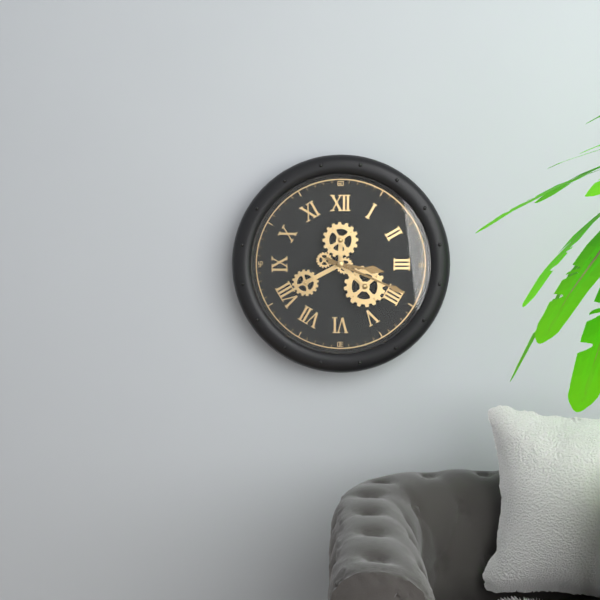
{"hour": 3, "minute": 19}
